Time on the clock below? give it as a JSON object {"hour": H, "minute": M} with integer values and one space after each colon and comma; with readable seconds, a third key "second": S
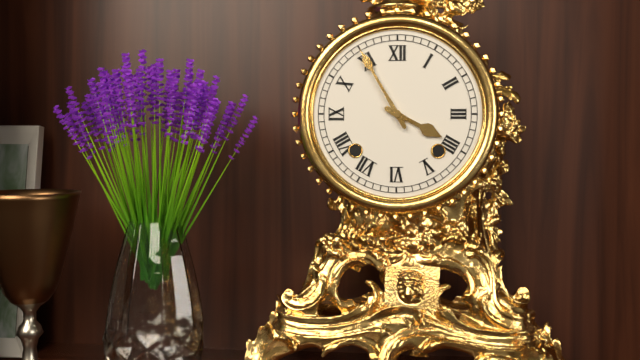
{"hour": 3, "minute": 55}
